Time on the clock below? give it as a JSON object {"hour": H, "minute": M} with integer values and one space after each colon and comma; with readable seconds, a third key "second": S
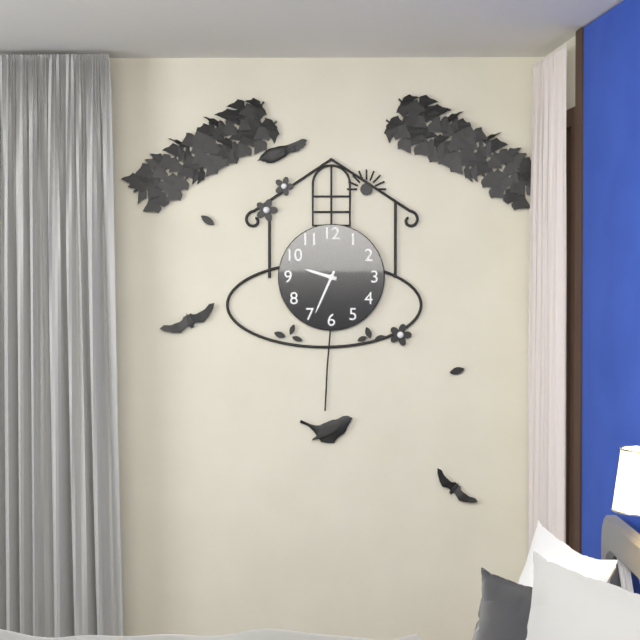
{"hour": 9, "minute": 34}
